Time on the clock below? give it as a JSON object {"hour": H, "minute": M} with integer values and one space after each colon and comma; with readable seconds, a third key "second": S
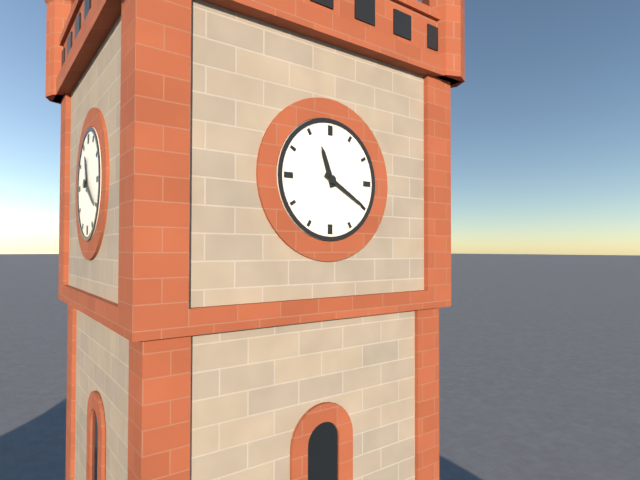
{"hour": 11, "minute": 20}
